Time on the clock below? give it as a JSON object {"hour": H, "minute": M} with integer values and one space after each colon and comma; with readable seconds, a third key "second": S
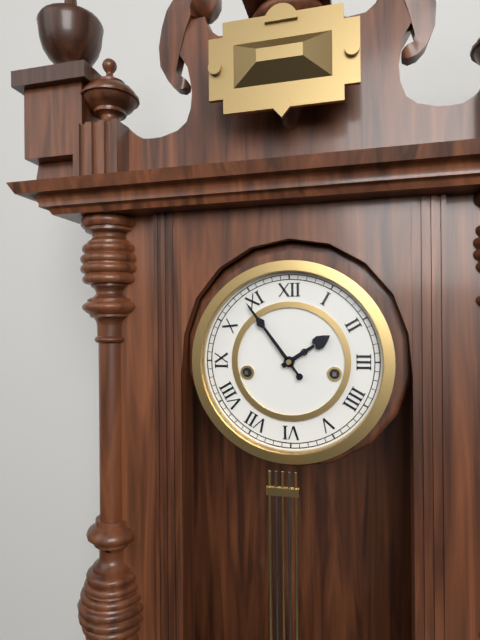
{"hour": 1, "minute": 54}
